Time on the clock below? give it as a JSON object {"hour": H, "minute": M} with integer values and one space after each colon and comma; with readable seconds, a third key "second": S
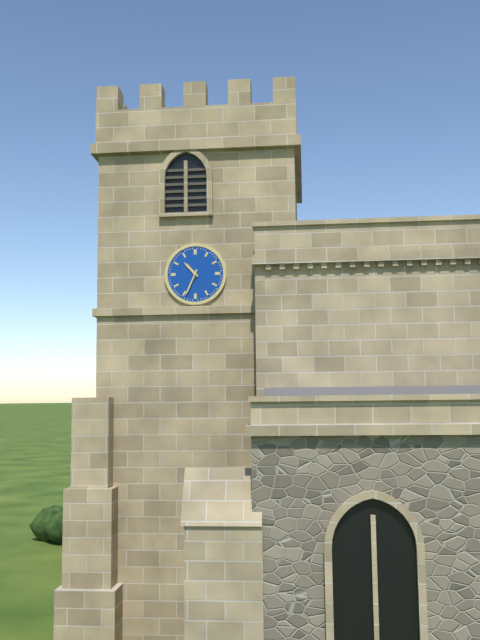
{"hour": 10, "minute": 34}
